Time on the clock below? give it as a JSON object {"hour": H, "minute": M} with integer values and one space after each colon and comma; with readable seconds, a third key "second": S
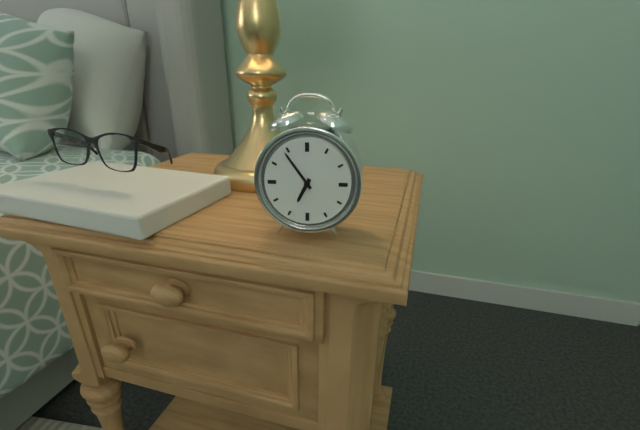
{"hour": 6, "minute": 54}
